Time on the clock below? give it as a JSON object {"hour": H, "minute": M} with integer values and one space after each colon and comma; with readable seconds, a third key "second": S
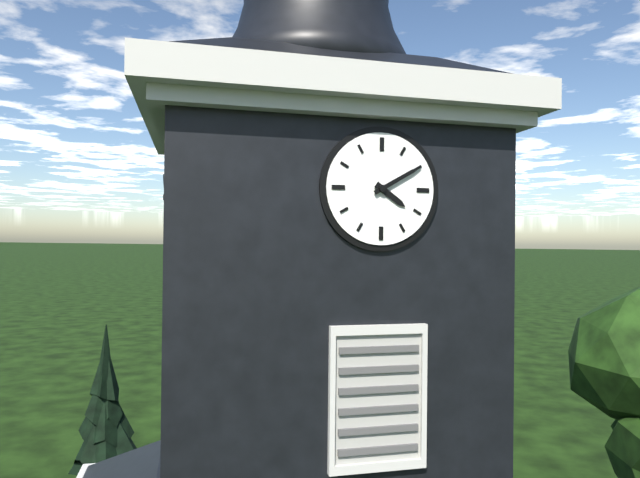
{"hour": 4, "minute": 10}
